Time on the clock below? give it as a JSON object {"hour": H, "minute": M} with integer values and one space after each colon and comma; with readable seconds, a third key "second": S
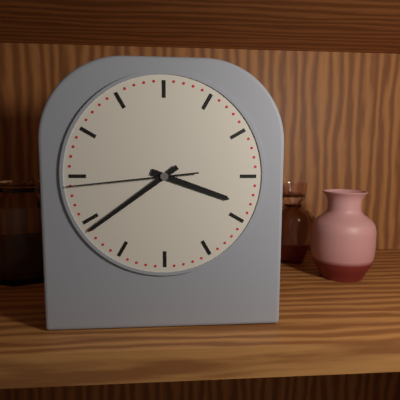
{"hour": 3, "minute": 39, "second": 44}
